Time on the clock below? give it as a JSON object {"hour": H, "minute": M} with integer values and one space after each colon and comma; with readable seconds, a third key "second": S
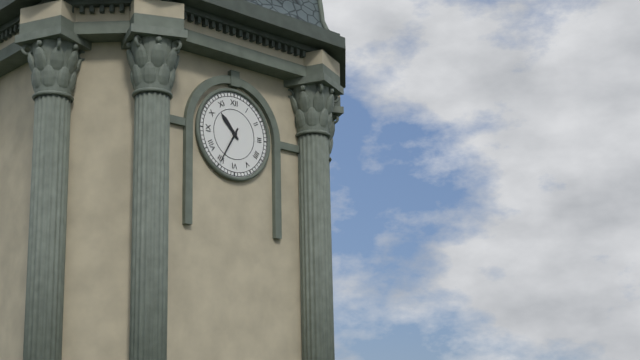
{"hour": 10, "minute": 35}
